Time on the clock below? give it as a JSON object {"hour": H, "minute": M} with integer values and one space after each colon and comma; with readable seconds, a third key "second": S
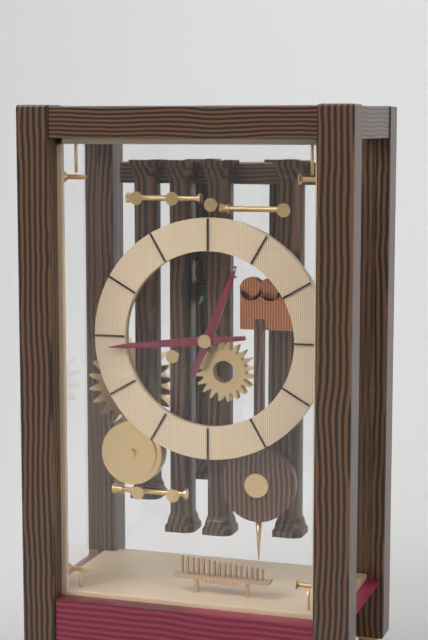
{"hour": 12, "minute": 44}
